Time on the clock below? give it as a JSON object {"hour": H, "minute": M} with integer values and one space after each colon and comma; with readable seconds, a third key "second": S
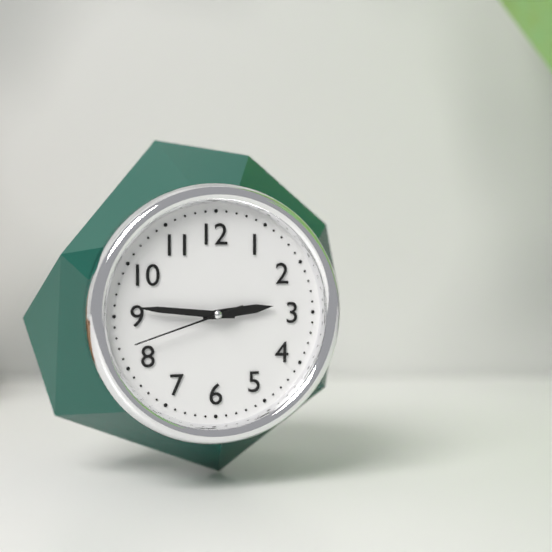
{"hour": 2, "minute": 46, "second": 42}
